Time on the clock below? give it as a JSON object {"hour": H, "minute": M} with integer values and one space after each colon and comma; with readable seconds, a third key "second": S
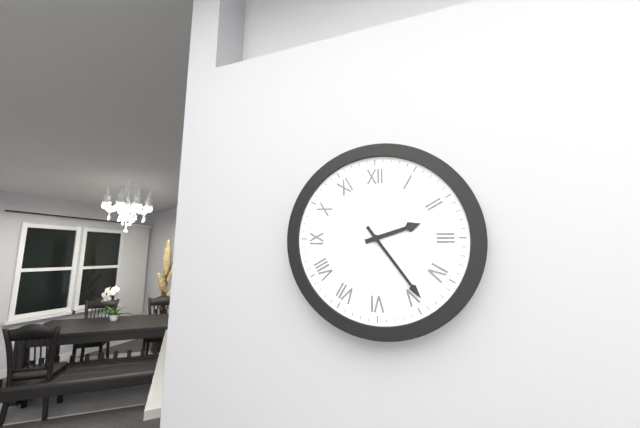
{"hour": 2, "minute": 24}
